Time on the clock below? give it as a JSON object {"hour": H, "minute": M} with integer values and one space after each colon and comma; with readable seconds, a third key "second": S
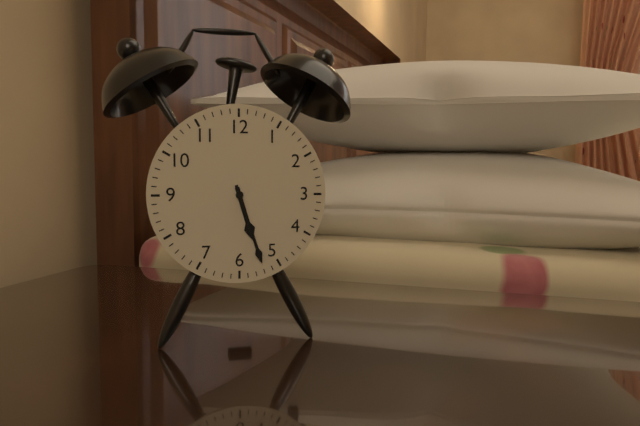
{"hour": 5, "minute": 27}
